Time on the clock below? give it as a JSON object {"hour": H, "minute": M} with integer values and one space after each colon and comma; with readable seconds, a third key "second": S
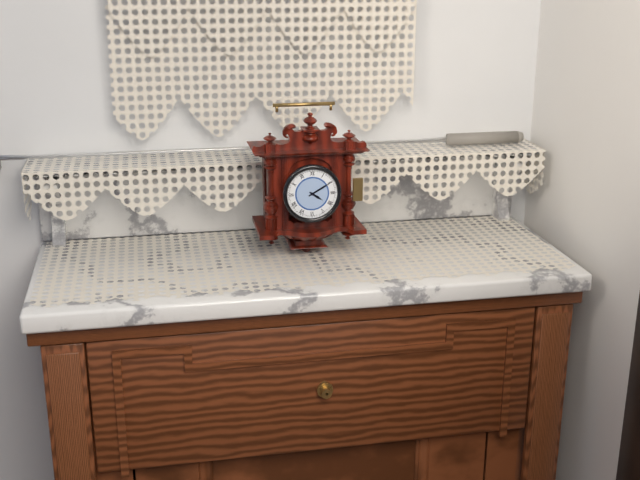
{"hour": 4, "minute": 10}
